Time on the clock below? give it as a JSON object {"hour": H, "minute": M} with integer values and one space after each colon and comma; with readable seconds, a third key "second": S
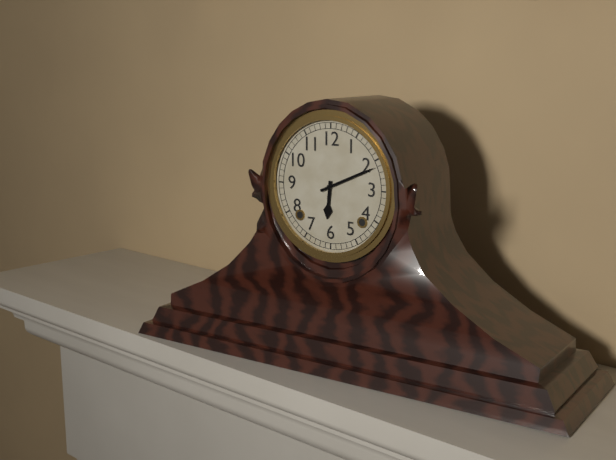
{"hour": 6, "minute": 11}
